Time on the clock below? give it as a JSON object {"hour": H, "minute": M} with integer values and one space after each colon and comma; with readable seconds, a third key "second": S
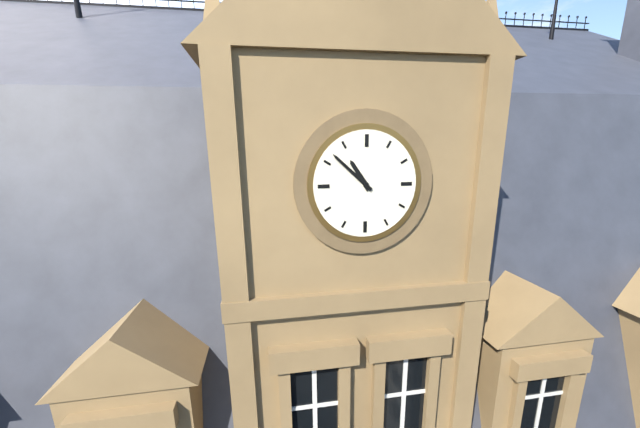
{"hour": 10, "minute": 52}
